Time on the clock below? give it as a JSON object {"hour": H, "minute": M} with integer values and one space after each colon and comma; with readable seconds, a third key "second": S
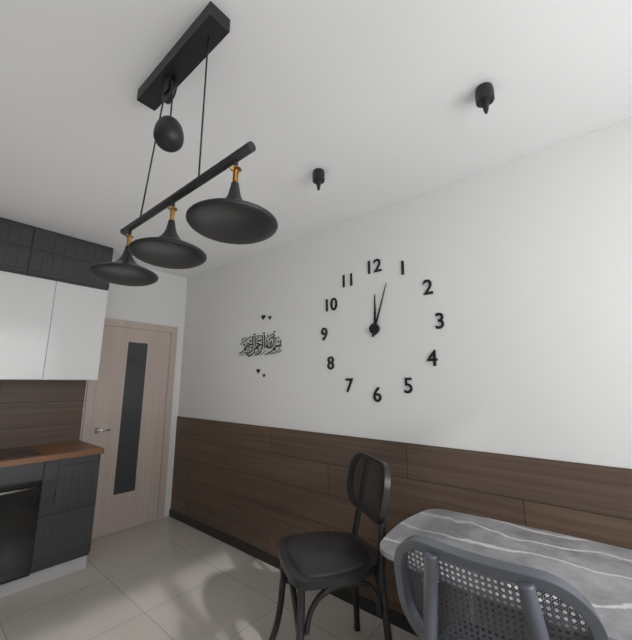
{"hour": 12, "minute": 3}
